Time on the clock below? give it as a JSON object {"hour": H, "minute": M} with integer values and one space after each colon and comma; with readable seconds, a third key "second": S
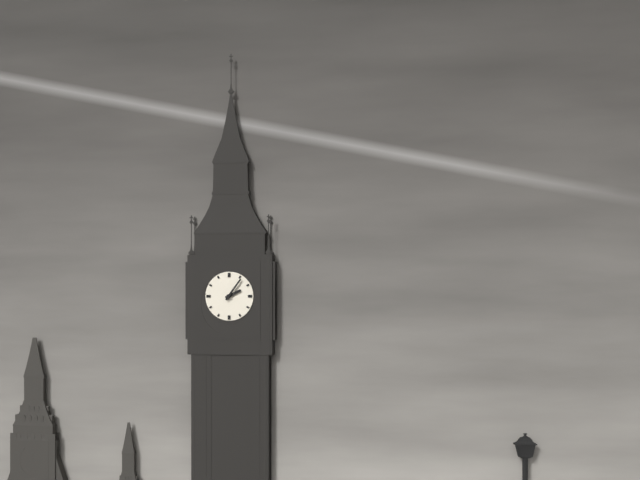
{"hour": 2, "minute": 6}
